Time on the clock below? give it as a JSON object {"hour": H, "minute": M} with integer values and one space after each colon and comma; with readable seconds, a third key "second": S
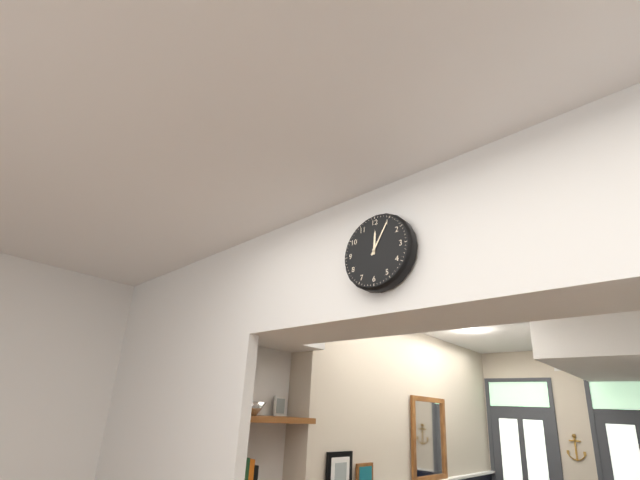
{"hour": 12, "minute": 5}
